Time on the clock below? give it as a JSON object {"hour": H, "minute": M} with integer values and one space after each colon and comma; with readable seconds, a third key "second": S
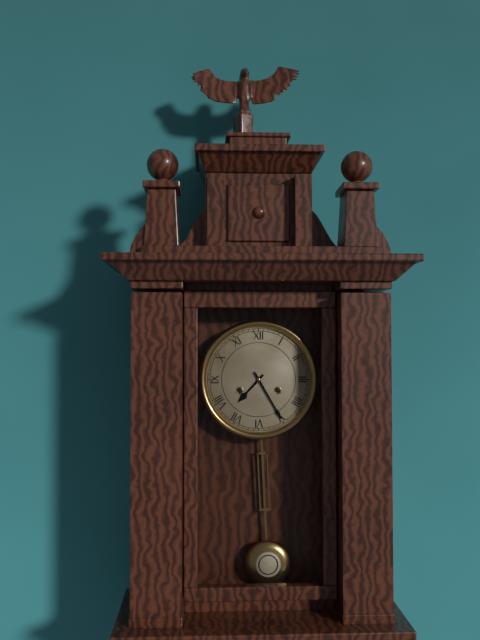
{"hour": 7, "minute": 25}
